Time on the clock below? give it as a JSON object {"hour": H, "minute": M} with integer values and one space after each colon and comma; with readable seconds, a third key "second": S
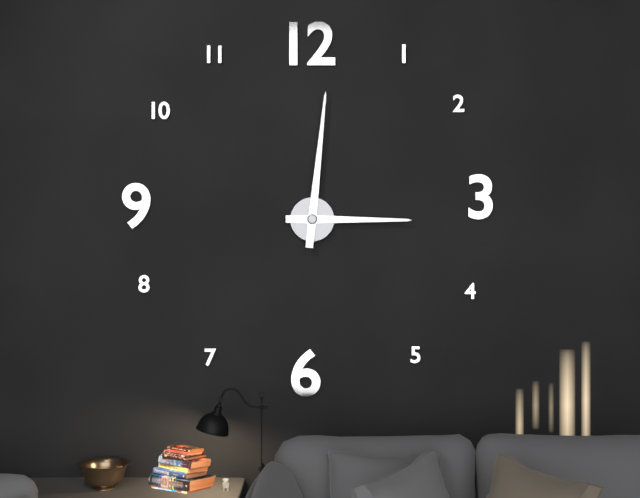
{"hour": 3, "minute": 1}
